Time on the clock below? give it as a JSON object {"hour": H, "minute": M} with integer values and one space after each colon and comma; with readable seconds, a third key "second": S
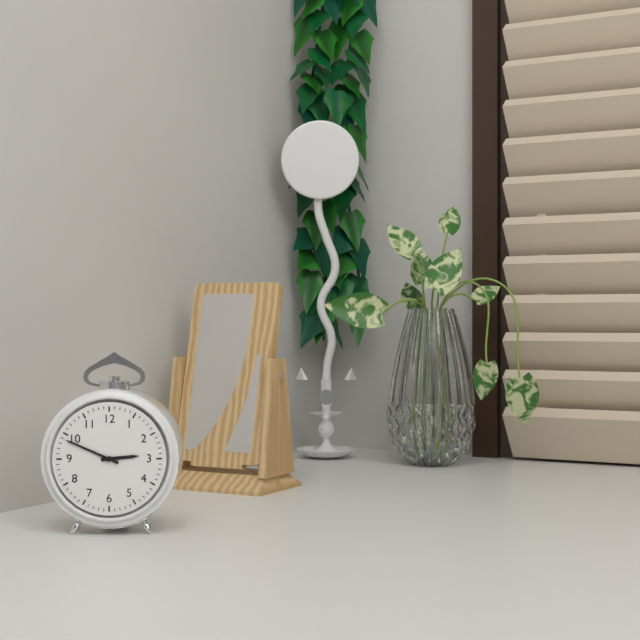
{"hour": 2, "minute": 49}
